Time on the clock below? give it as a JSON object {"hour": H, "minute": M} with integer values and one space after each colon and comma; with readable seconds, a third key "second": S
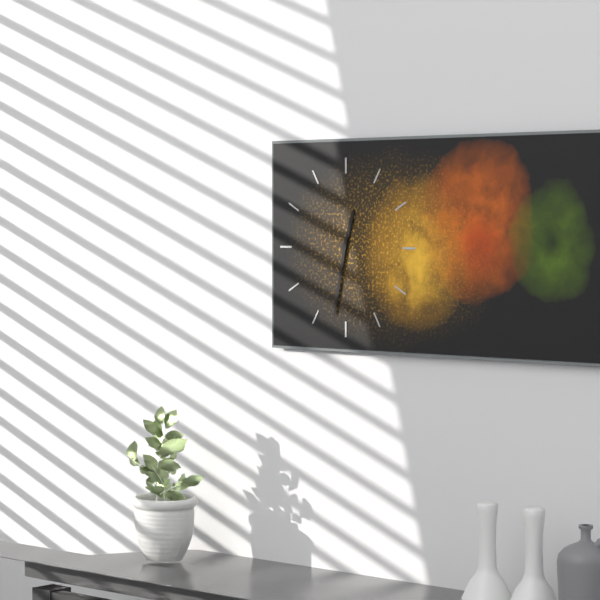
{"hour": 12, "minute": 32}
